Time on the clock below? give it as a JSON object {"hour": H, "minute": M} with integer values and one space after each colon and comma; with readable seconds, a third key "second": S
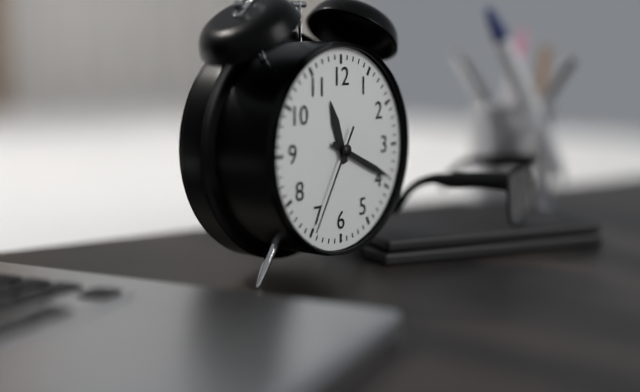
{"hour": 11, "minute": 19, "second": 35}
